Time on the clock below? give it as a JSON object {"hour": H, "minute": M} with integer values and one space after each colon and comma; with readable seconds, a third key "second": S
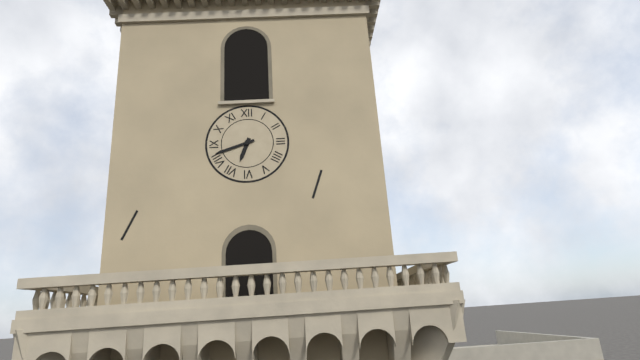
{"hour": 6, "minute": 42}
